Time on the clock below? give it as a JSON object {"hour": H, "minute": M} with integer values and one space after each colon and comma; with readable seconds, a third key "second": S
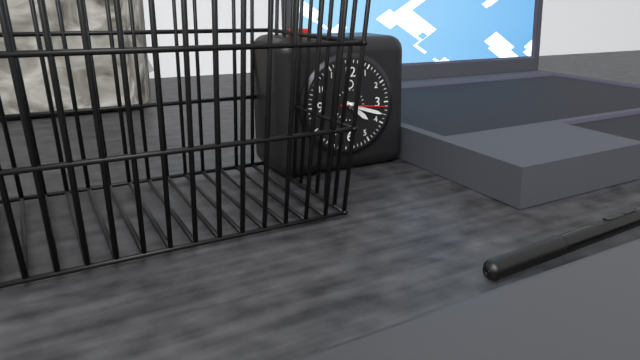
{"hour": 4, "minute": 18}
